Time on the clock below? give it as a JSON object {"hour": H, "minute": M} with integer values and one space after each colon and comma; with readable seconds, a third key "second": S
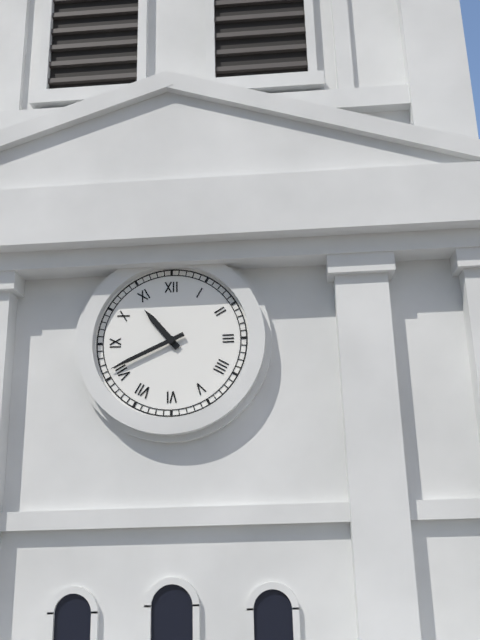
{"hour": 10, "minute": 41}
